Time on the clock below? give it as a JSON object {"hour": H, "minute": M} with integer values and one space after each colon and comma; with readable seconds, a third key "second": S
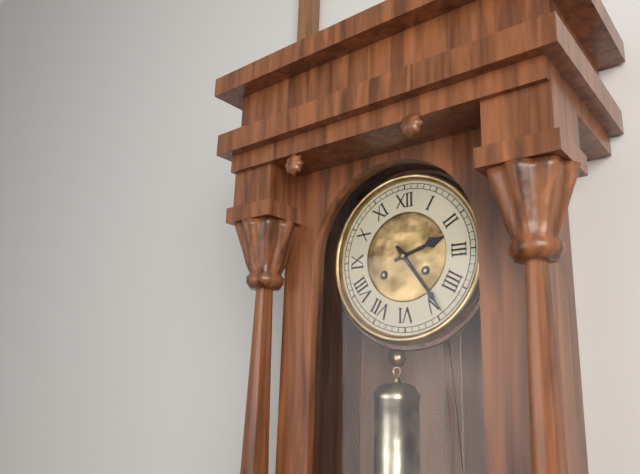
{"hour": 2, "minute": 24}
